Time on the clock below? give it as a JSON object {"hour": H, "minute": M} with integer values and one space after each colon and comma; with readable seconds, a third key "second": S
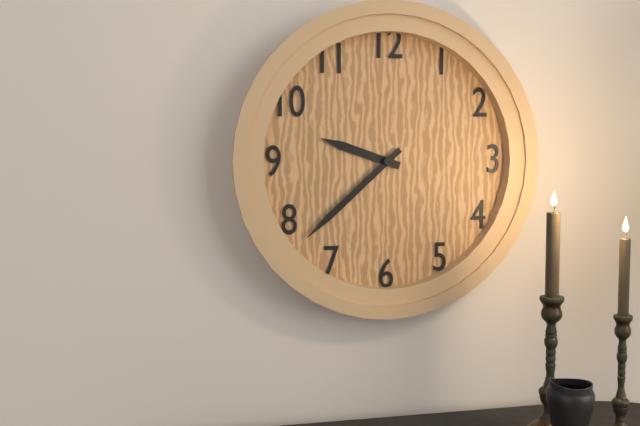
{"hour": 9, "minute": 38}
